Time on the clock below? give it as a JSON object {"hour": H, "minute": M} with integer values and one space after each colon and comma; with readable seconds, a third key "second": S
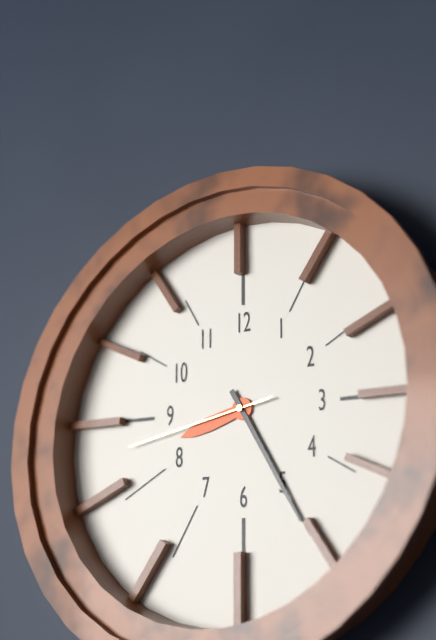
{"hour": 8, "minute": 25, "second": 43}
